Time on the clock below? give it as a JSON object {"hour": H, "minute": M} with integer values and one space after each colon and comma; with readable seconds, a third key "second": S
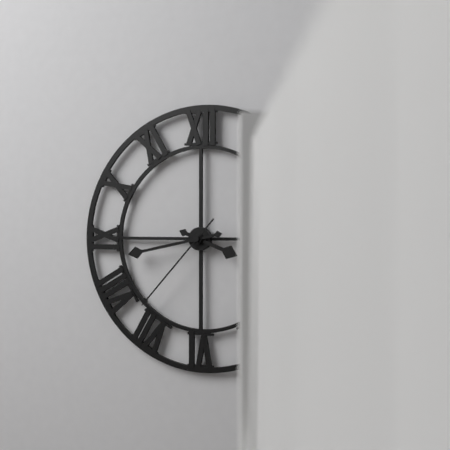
{"hour": 3, "minute": 43, "second": 37}
